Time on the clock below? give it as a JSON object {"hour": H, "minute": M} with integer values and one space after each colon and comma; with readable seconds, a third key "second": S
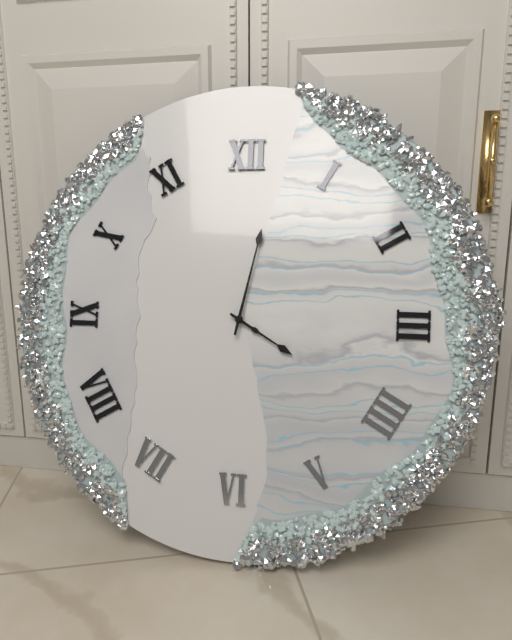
{"hour": 4, "minute": 2}
